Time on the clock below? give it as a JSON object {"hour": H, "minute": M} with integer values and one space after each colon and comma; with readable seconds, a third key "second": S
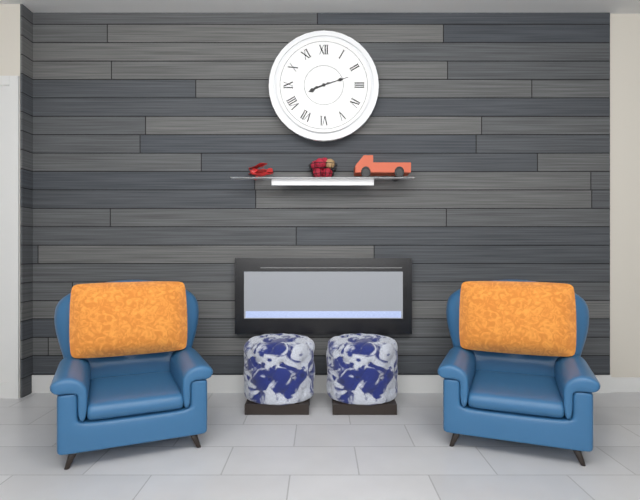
{"hour": 8, "minute": 12}
